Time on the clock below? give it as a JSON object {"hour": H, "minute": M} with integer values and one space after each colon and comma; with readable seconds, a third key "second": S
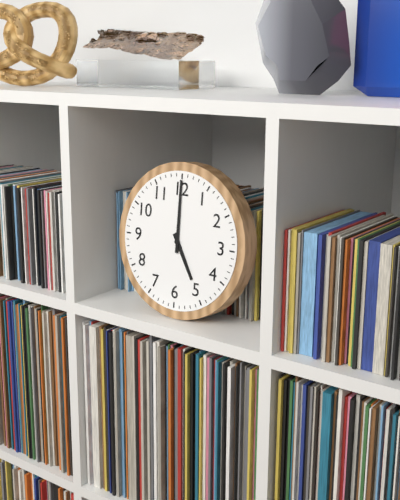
{"hour": 5, "minute": 0}
